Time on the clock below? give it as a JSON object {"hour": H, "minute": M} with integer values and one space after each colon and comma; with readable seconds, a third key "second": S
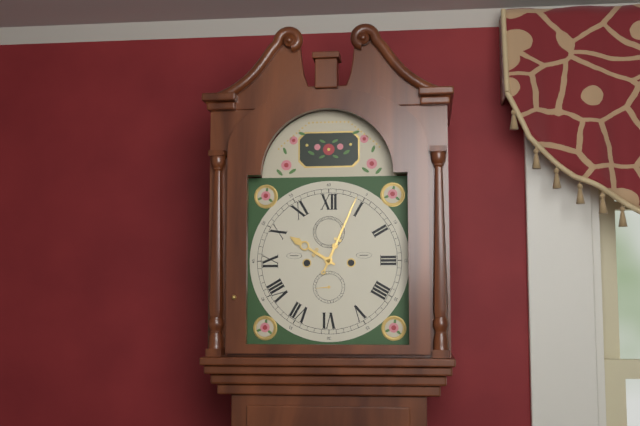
{"hour": 10, "minute": 4}
